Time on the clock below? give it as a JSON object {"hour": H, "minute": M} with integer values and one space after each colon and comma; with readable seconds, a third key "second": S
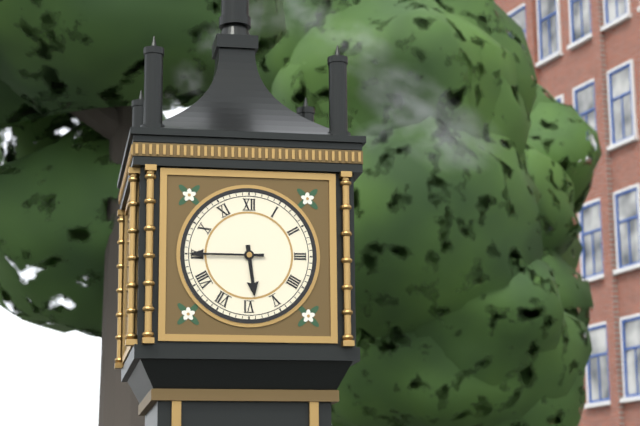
{"hour": 5, "minute": 45}
